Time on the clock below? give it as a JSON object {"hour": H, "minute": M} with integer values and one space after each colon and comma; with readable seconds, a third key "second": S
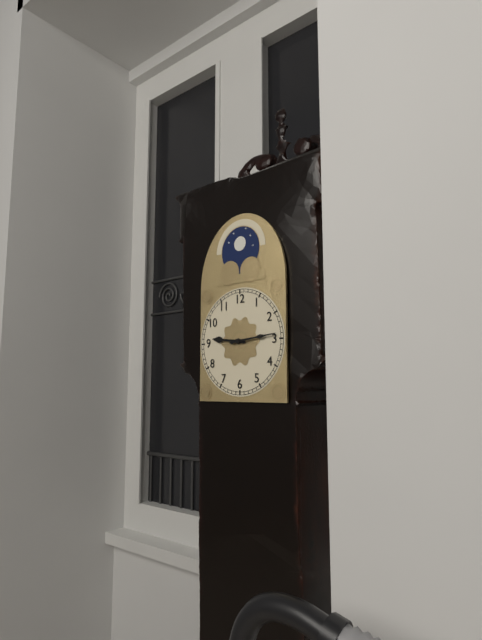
{"hour": 9, "minute": 14}
